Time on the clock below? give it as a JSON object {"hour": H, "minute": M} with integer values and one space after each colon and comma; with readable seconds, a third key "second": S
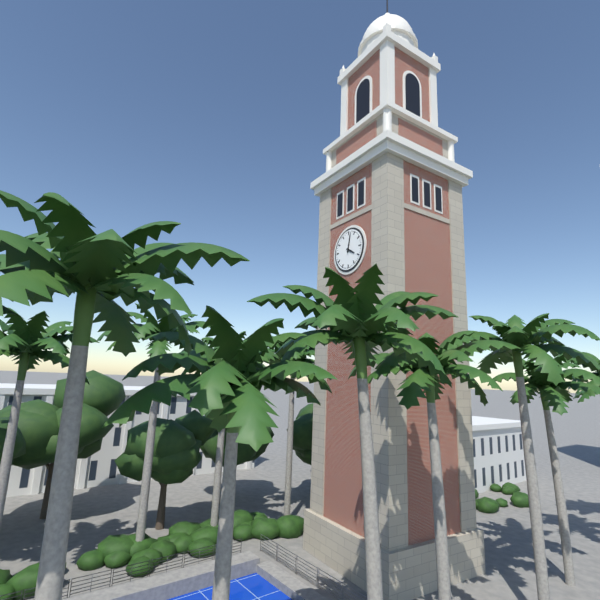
{"hour": 4, "minute": 2}
